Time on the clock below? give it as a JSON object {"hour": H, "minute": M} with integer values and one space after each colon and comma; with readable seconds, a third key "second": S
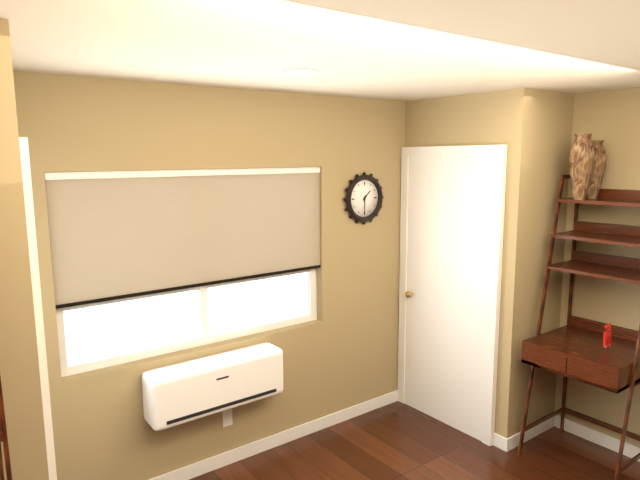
{"hour": 1, "minute": 30}
